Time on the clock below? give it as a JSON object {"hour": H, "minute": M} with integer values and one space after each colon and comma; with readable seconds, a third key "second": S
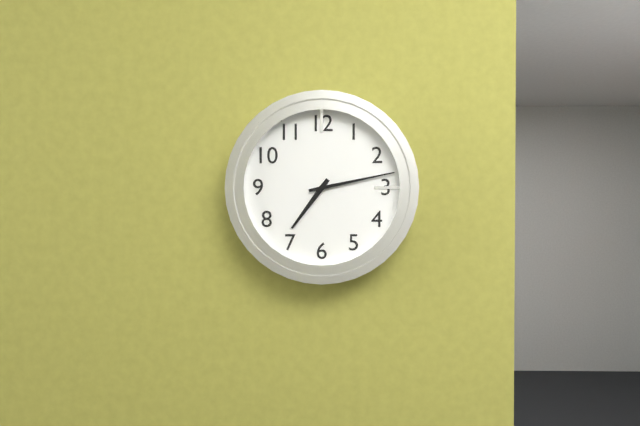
{"hour": 7, "minute": 13}
